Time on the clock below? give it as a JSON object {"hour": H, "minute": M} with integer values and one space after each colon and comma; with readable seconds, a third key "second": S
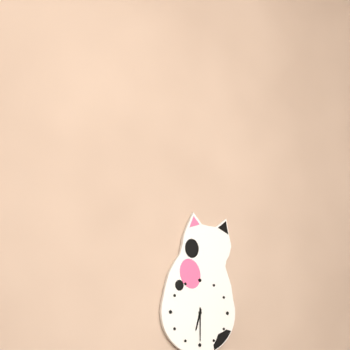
{"hour": 6, "minute": 30}
